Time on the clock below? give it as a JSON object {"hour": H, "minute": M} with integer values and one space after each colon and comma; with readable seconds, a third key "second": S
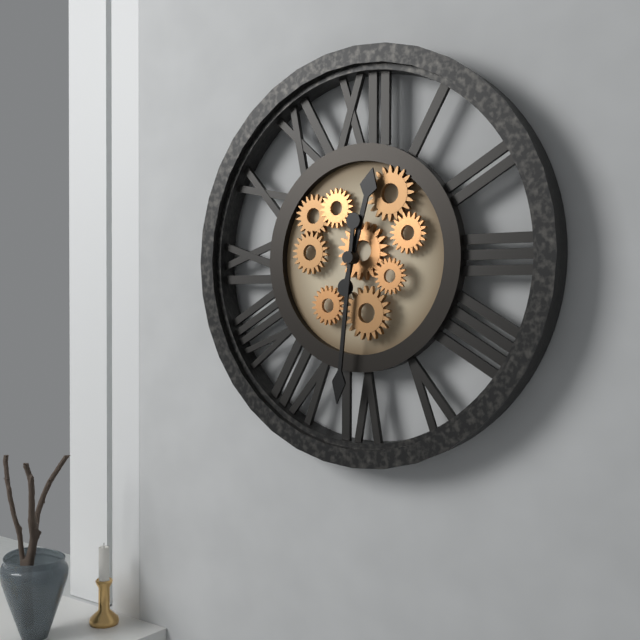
{"hour": 12, "minute": 31}
